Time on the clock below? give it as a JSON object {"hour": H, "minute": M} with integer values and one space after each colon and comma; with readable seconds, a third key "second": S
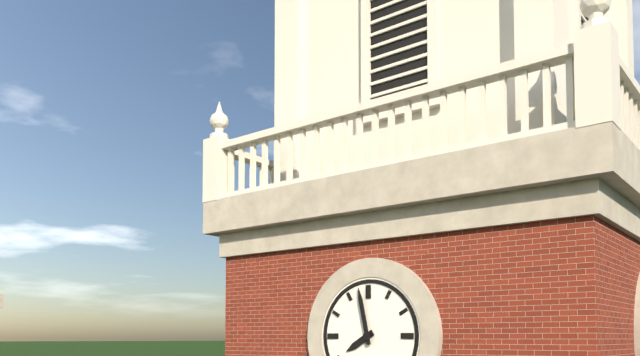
{"hour": 7, "minute": 58}
